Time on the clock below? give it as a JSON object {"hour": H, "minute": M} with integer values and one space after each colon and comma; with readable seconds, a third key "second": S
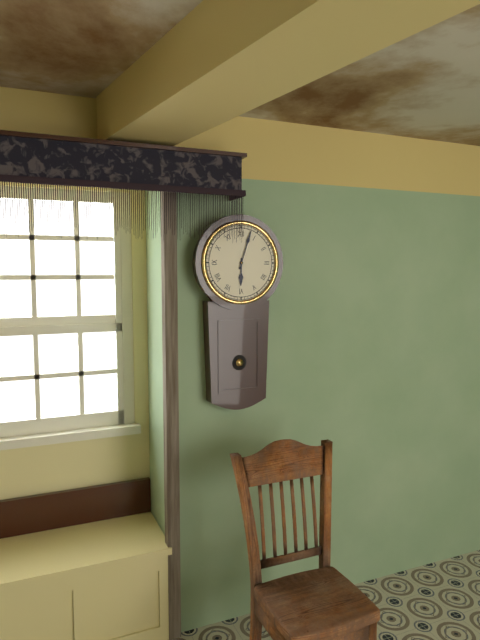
{"hour": 6, "minute": 3}
